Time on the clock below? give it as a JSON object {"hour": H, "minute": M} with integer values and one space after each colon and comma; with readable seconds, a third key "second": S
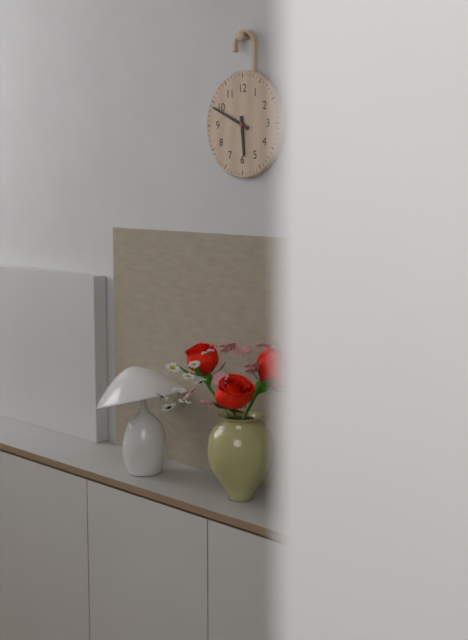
{"hour": 5, "minute": 49}
